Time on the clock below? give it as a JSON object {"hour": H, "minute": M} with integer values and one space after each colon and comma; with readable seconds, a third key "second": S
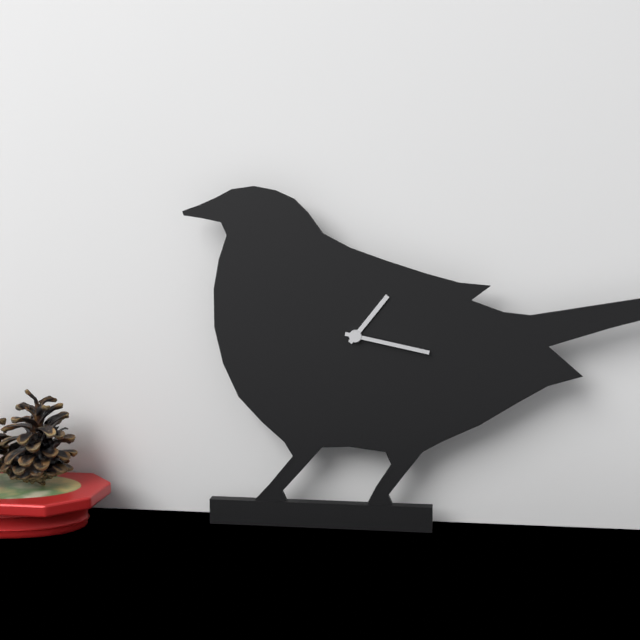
{"hour": 1, "minute": 17}
